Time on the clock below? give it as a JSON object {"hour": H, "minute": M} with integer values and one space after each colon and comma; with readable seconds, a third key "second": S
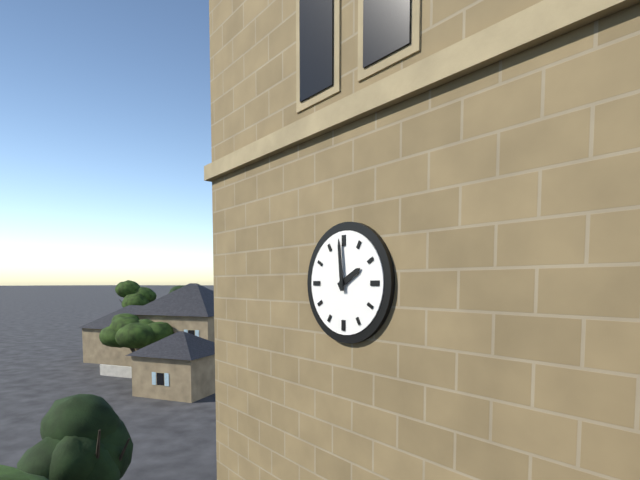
{"hour": 1, "minute": 59}
